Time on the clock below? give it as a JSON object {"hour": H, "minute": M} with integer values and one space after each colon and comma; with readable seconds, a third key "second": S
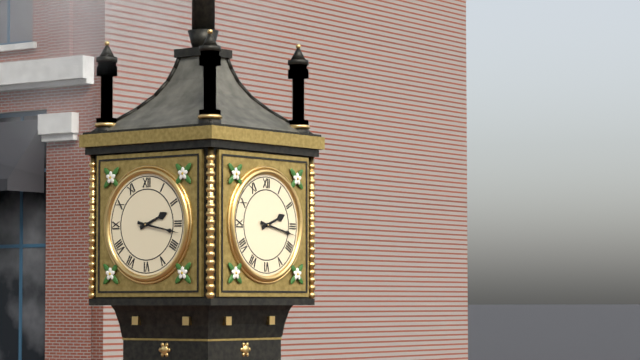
{"hour": 2, "minute": 17}
